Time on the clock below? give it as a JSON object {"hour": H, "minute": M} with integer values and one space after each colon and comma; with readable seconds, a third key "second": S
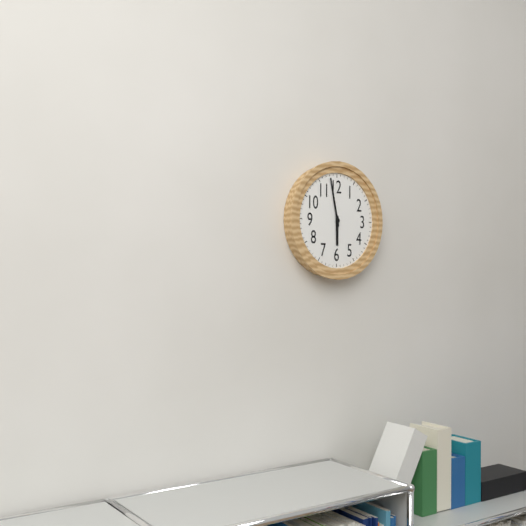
{"hour": 5, "minute": 58}
